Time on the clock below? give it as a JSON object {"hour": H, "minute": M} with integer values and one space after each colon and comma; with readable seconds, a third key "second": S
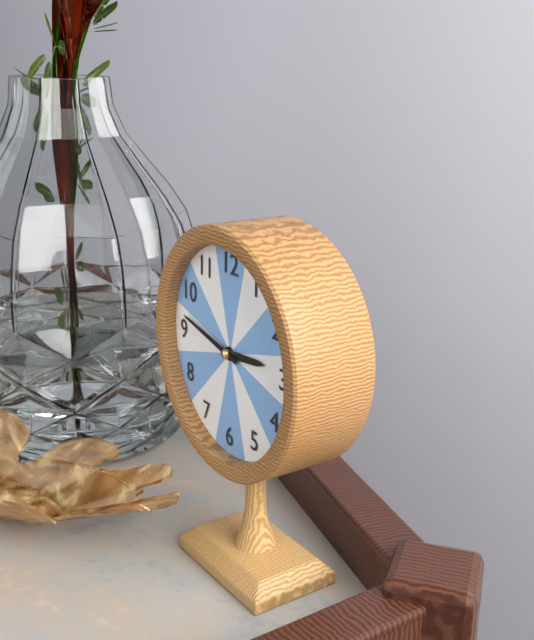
{"hour": 2, "minute": 47}
